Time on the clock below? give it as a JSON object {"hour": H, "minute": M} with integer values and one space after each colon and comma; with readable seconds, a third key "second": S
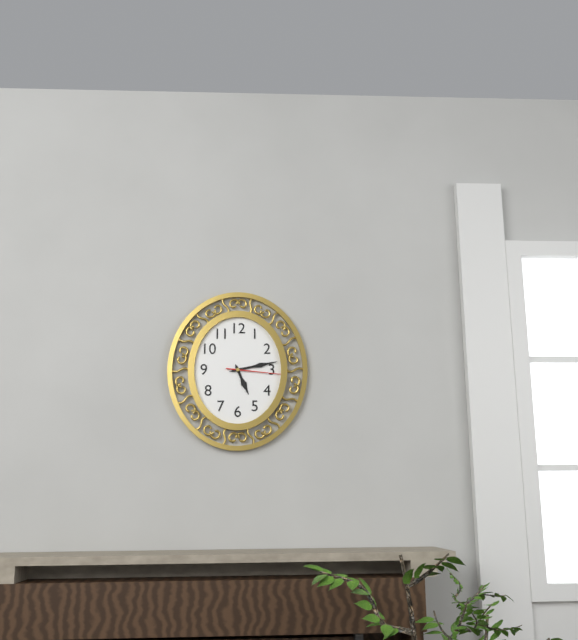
{"hour": 5, "minute": 13, "second": 16}
